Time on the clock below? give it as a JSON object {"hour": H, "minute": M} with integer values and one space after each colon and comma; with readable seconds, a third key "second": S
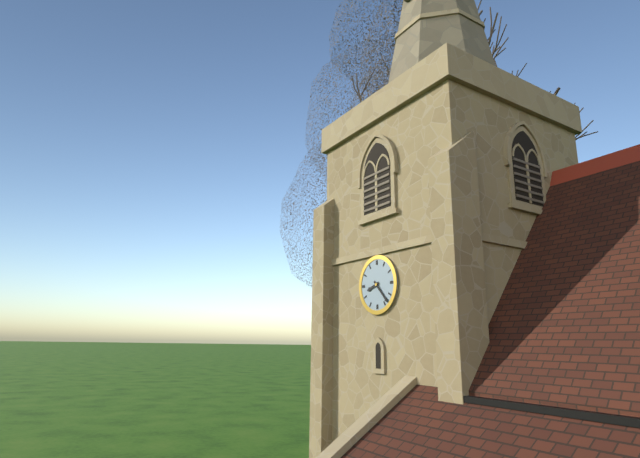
{"hour": 8, "minute": 23}
